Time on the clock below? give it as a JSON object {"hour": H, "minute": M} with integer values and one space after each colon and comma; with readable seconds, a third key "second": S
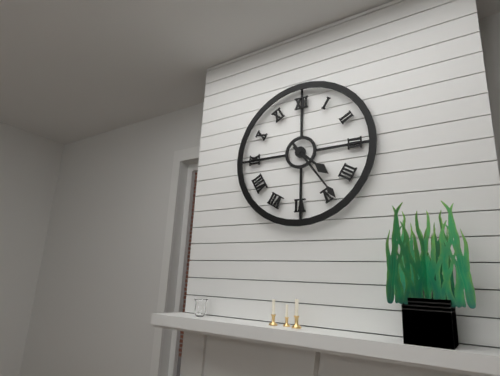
{"hour": 4, "minute": 24}
